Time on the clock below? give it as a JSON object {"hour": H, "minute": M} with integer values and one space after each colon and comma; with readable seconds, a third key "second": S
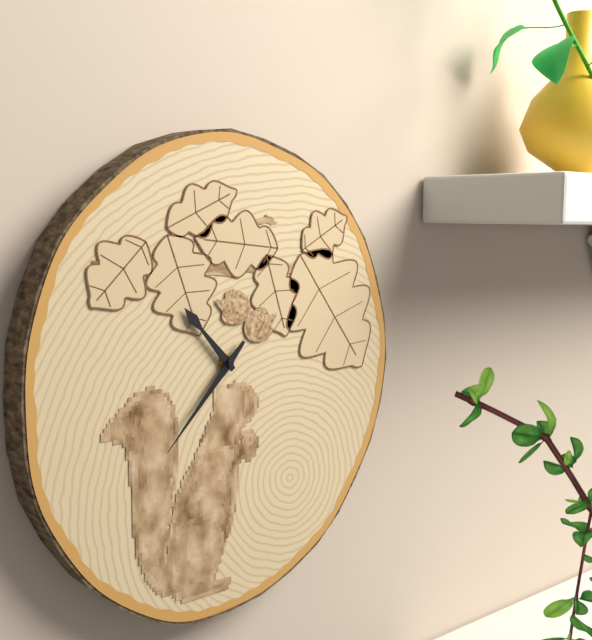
{"hour": 10, "minute": 37}
